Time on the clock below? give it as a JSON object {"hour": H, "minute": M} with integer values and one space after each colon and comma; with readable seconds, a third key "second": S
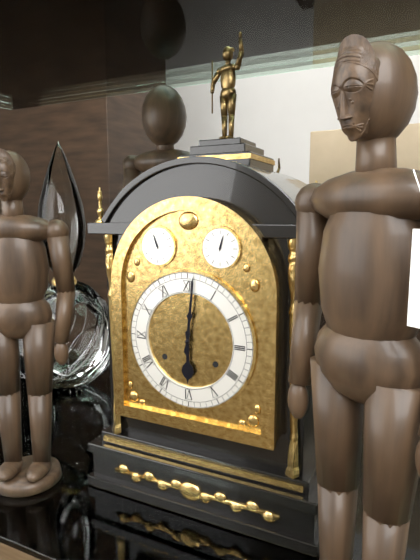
{"hour": 6, "minute": 1}
